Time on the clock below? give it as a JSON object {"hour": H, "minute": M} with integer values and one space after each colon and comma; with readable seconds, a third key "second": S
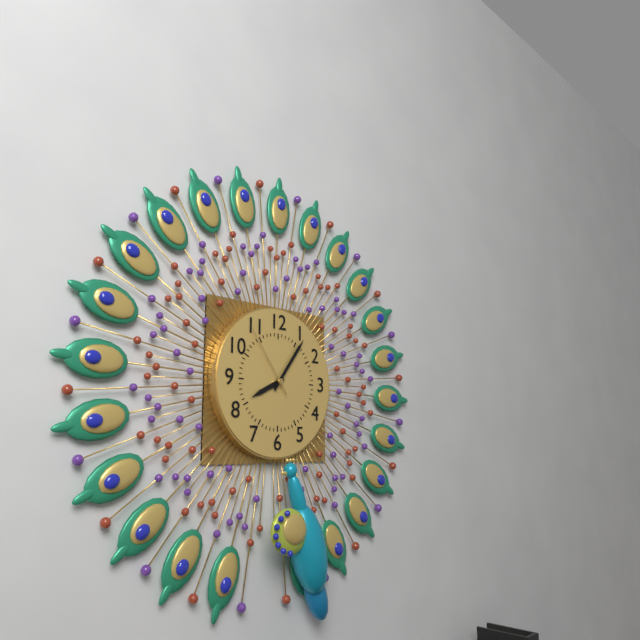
{"hour": 8, "minute": 6, "second": 54}
